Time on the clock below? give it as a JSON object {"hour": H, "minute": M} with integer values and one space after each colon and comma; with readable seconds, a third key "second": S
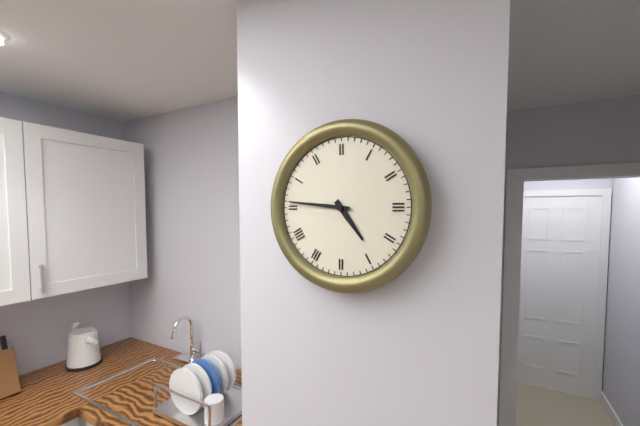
{"hour": 4, "minute": 46}
